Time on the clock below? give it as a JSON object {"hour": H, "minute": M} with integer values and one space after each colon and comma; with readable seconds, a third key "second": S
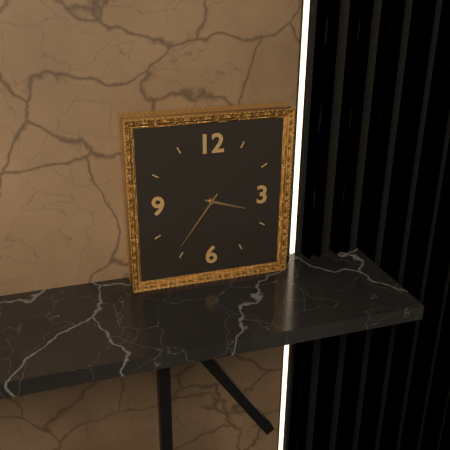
{"hour": 3, "minute": 36}
